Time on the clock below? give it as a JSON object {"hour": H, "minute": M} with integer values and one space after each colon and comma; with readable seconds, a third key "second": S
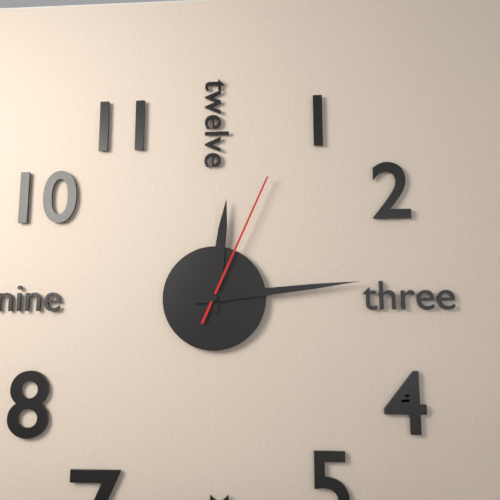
{"hour": 12, "minute": 14, "second": 4}
